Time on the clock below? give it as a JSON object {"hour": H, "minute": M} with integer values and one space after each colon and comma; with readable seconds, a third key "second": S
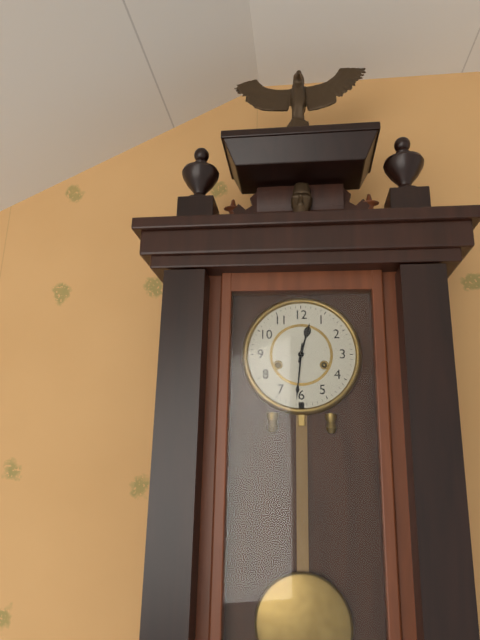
{"hour": 12, "minute": 31}
